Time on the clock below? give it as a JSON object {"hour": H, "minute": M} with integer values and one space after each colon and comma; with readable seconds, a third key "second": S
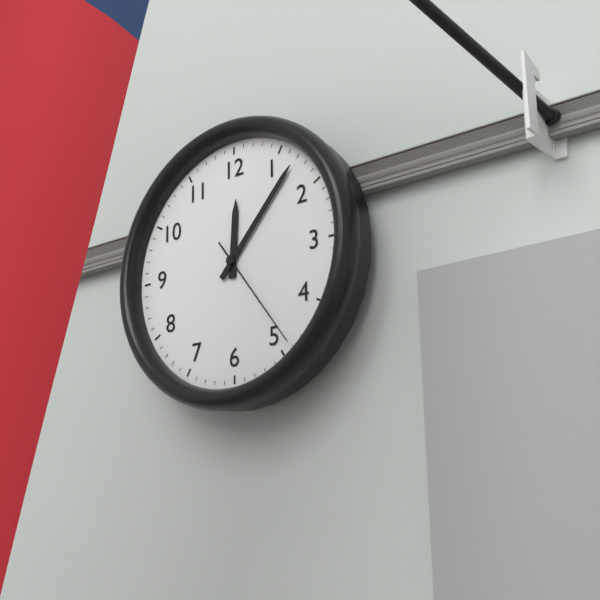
{"hour": 12, "minute": 7, "second": 24}
